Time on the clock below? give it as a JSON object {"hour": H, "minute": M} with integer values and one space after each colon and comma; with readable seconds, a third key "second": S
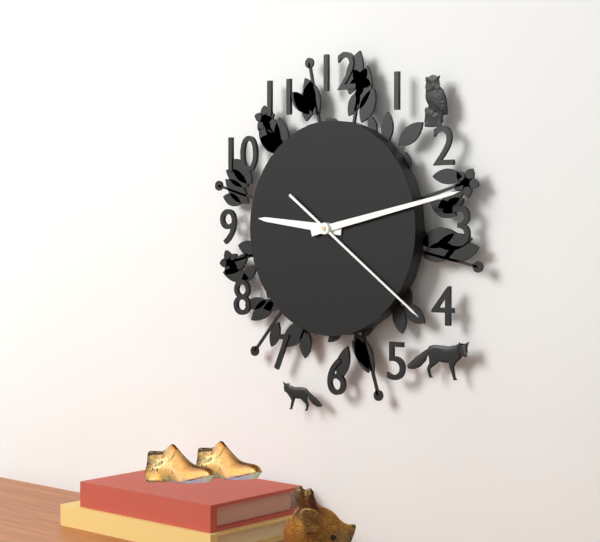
{"hour": 9, "minute": 13, "second": 21}
